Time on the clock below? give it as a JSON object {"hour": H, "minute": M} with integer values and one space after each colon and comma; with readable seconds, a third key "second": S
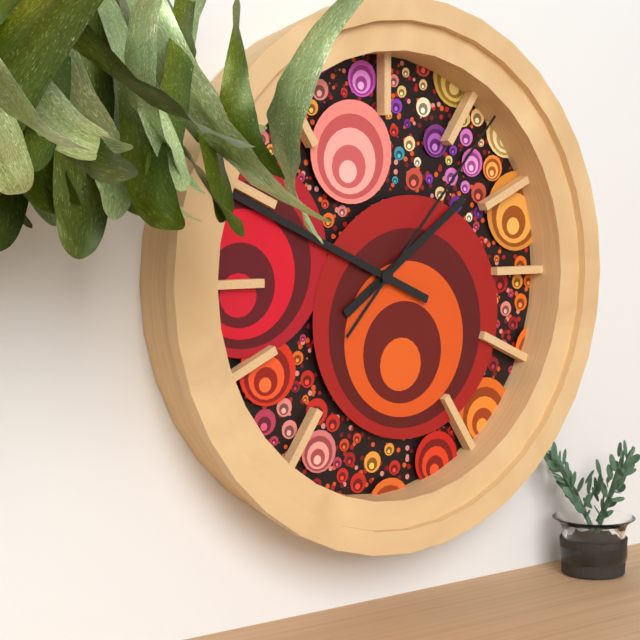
{"hour": 1, "minute": 49, "second": 7}
